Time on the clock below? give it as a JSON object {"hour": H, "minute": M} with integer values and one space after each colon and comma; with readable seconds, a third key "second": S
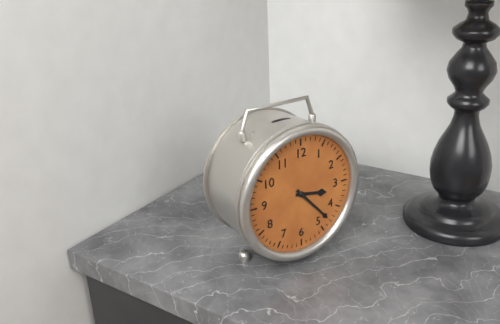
{"hour": 3, "minute": 23}
